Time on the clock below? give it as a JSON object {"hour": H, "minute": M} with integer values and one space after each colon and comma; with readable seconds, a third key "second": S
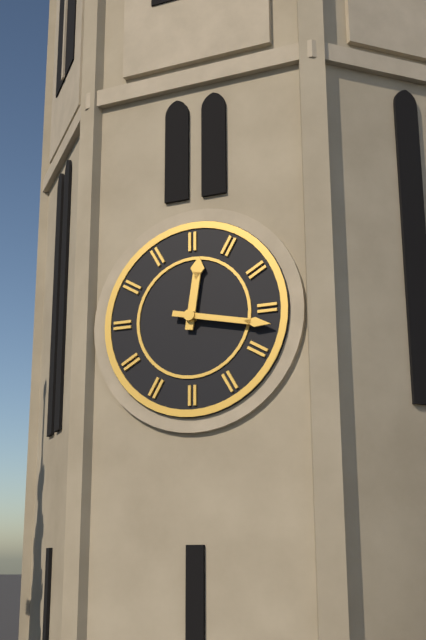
{"hour": 12, "minute": 17}
